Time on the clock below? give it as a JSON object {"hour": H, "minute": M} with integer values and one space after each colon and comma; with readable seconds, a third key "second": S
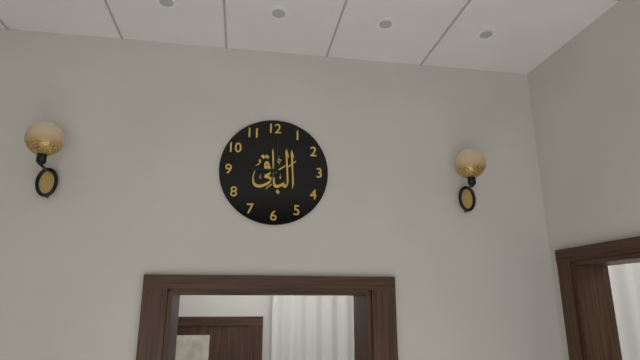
{"hour": 9, "minute": 1}
